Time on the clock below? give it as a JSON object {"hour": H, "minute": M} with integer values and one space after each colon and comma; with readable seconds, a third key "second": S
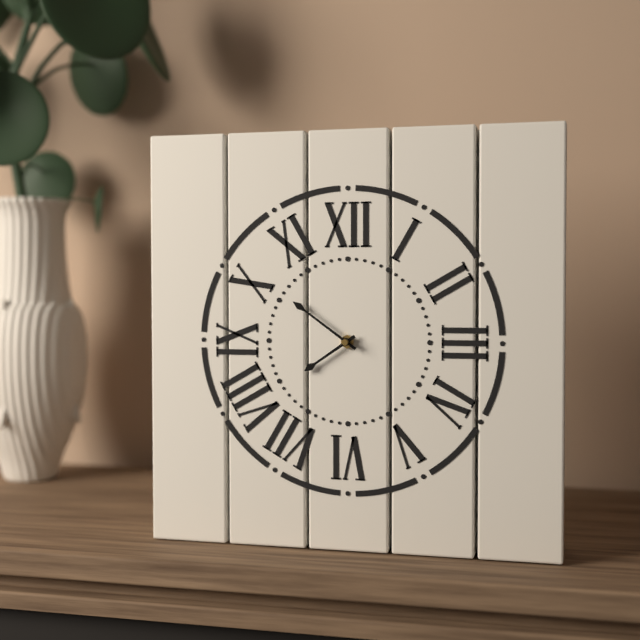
{"hour": 7, "minute": 51}
